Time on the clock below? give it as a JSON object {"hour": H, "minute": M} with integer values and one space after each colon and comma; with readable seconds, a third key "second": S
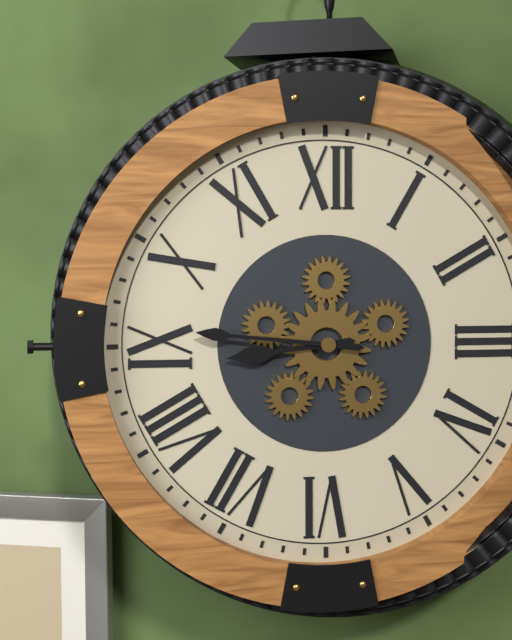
{"hour": 8, "minute": 46}
